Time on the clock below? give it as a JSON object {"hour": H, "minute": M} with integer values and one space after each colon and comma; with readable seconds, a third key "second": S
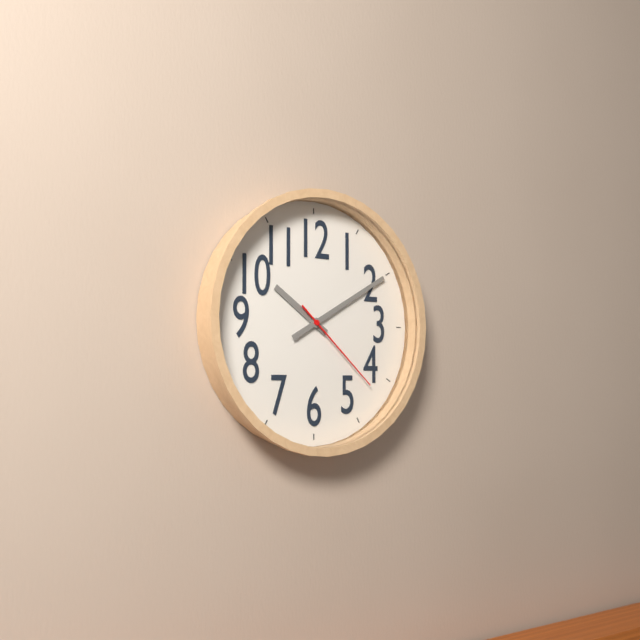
{"hour": 10, "minute": 10, "second": 22}
